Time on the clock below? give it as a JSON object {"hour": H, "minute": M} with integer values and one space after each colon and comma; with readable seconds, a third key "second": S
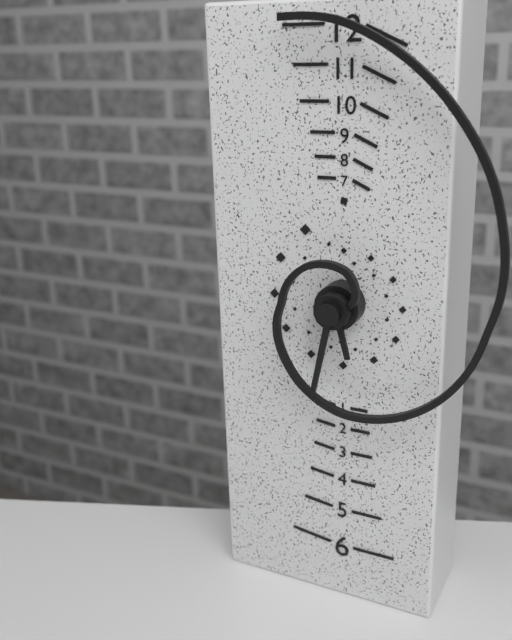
{"hour": 5, "minute": 32}
